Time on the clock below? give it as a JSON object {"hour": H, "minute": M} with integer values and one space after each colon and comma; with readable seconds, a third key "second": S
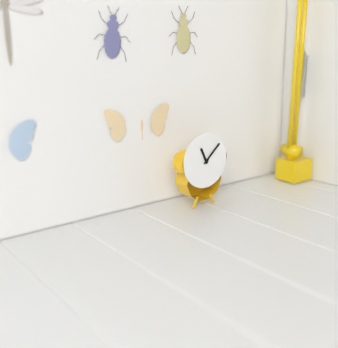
{"hour": 11, "minute": 8}
